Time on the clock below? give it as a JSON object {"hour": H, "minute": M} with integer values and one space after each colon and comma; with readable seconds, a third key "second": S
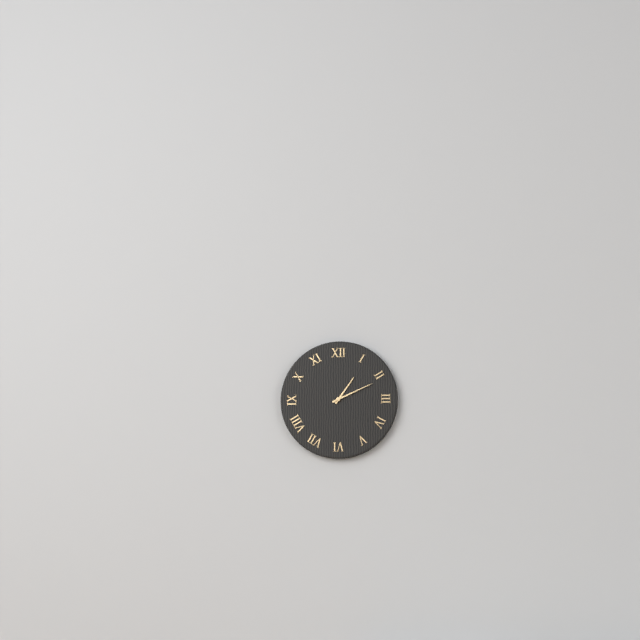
{"hour": 1, "minute": 11}
